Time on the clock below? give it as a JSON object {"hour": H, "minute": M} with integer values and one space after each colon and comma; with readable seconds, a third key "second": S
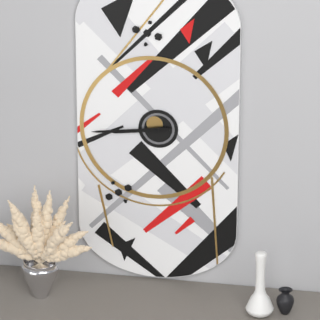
{"hour": 8, "minute": 44}
